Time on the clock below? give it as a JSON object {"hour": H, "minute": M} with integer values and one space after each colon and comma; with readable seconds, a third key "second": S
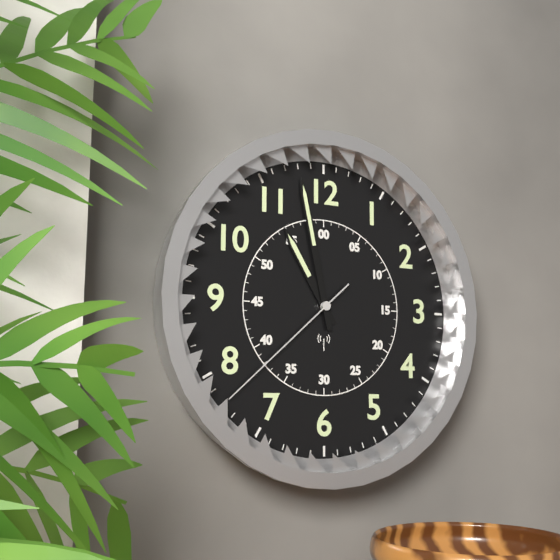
{"hour": 10, "minute": 58, "second": 38}
